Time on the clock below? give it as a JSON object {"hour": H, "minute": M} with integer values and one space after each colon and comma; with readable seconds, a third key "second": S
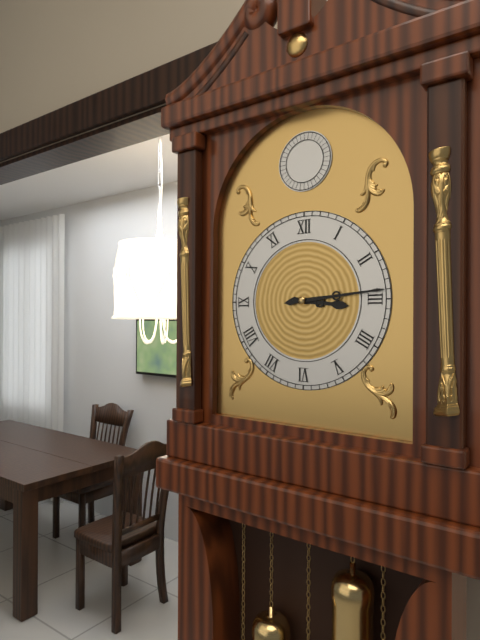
{"hour": 3, "minute": 14}
